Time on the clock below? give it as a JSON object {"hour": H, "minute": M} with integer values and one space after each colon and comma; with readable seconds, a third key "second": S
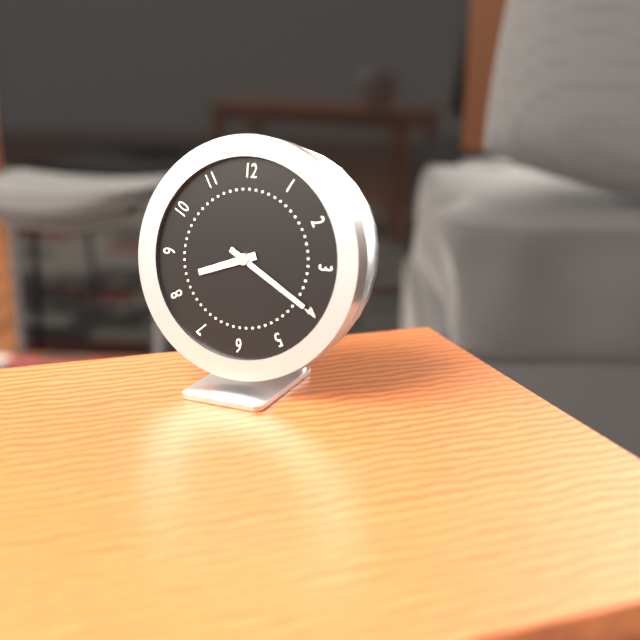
{"hour": 8, "minute": 20}
